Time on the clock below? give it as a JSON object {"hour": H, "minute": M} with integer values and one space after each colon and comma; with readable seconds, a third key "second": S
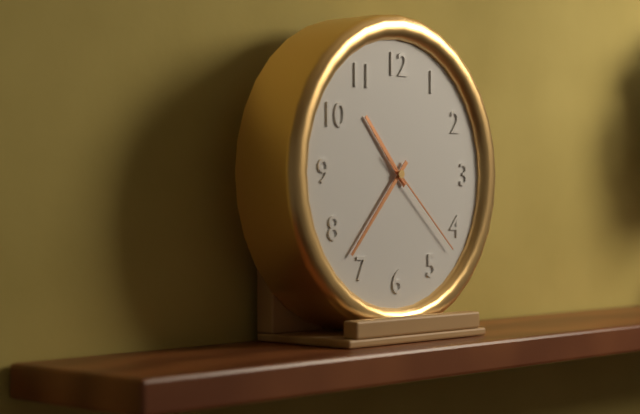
{"hour": 10, "minute": 37, "second": 22}
